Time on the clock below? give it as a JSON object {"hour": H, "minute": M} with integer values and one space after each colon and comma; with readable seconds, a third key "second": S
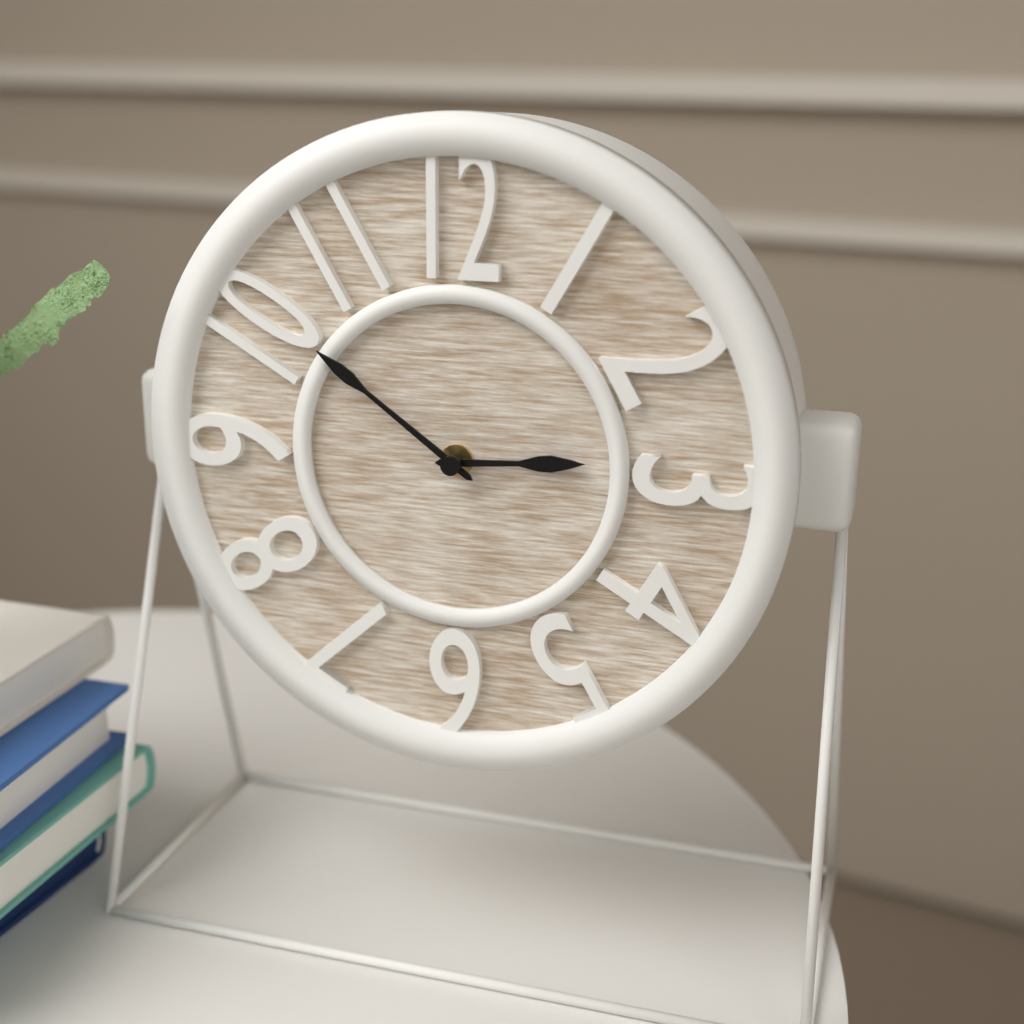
{"hour": 2, "minute": 51}
